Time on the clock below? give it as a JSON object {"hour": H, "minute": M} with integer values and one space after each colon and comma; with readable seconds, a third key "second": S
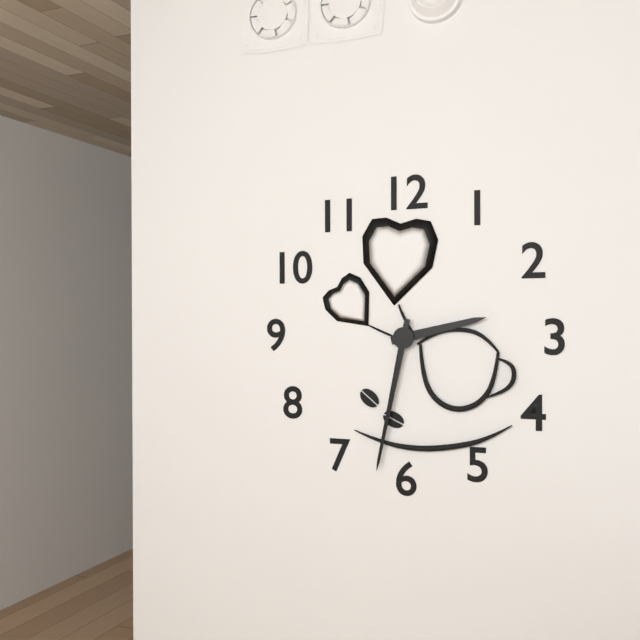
{"hour": 2, "minute": 32}
